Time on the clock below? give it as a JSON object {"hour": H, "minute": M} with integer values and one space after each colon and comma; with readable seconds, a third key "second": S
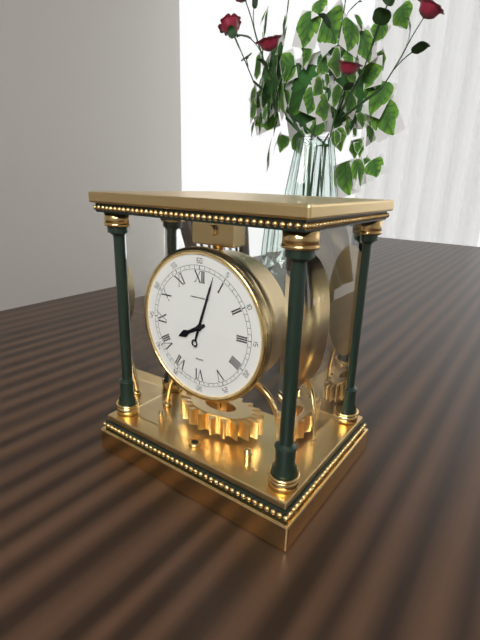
{"hour": 8, "minute": 3}
